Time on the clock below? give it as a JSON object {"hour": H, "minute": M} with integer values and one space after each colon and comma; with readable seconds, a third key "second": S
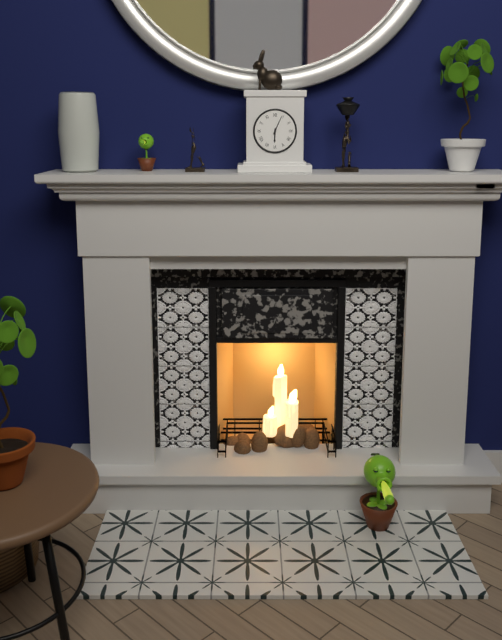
{"hour": 6, "minute": 4}
